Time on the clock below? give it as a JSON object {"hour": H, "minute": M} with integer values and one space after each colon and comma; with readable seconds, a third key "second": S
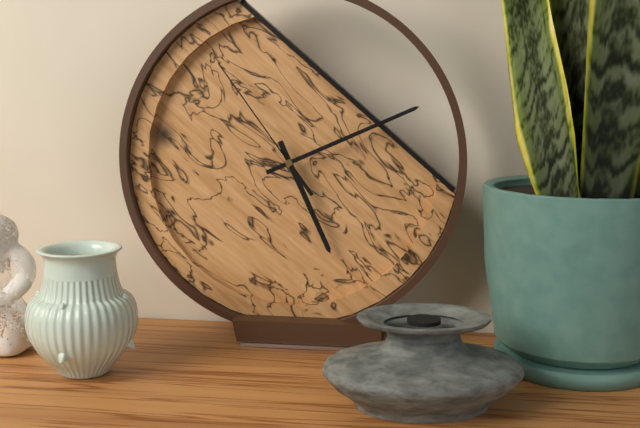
{"hour": 5, "minute": 11, "second": 54}
